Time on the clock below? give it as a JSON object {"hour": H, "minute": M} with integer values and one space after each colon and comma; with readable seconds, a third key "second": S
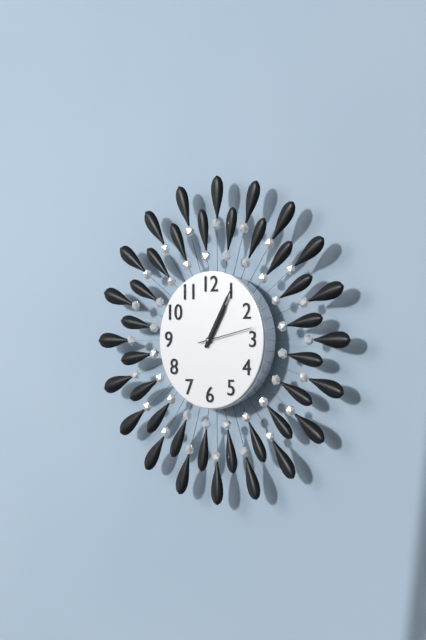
{"hour": 1, "minute": 5}
